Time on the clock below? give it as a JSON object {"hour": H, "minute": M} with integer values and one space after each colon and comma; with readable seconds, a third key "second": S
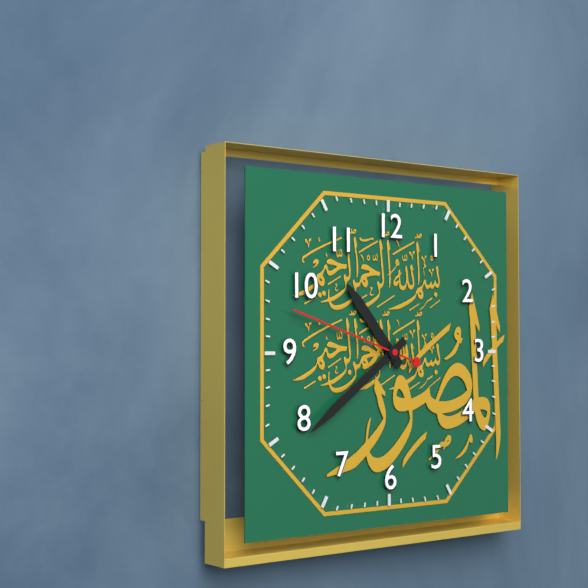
{"hour": 10, "minute": 39, "second": 48}
